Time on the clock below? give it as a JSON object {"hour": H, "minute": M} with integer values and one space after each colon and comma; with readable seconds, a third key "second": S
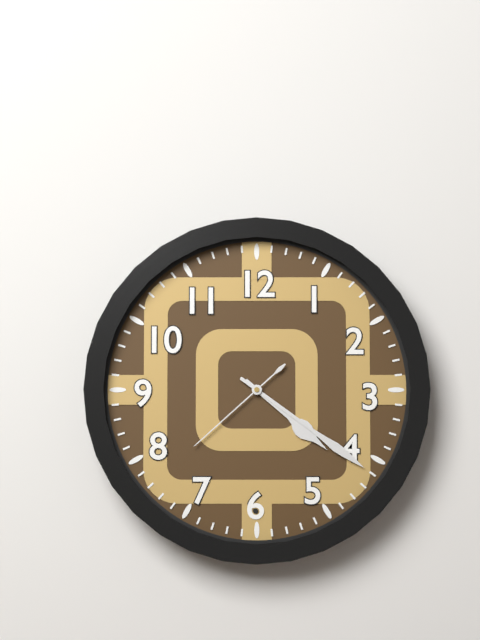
{"hour": 4, "minute": 21, "second": 38}
